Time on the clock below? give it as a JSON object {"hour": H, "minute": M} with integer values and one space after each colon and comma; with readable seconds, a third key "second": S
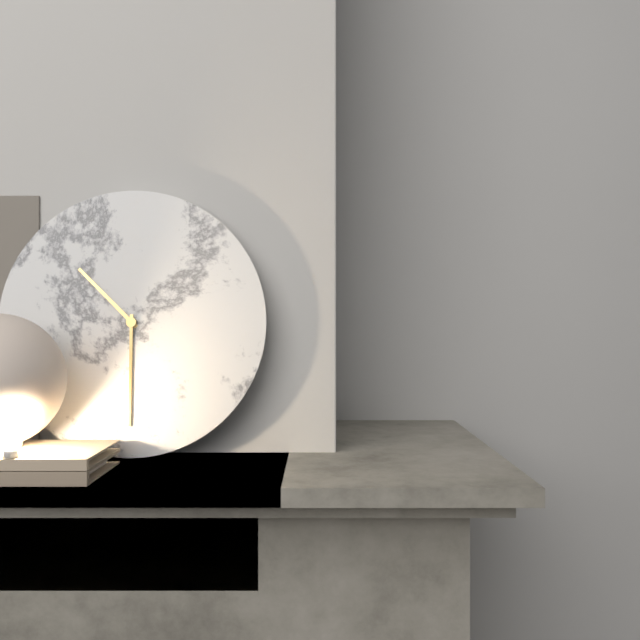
{"hour": 10, "minute": 30}
